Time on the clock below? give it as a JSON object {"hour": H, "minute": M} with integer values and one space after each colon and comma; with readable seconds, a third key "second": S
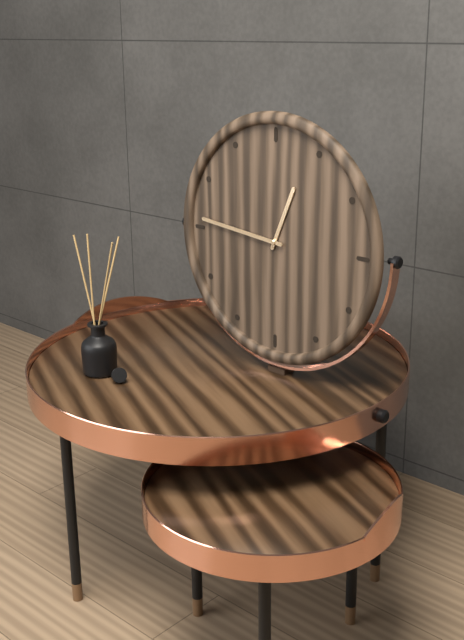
{"hour": 12, "minute": 46}
